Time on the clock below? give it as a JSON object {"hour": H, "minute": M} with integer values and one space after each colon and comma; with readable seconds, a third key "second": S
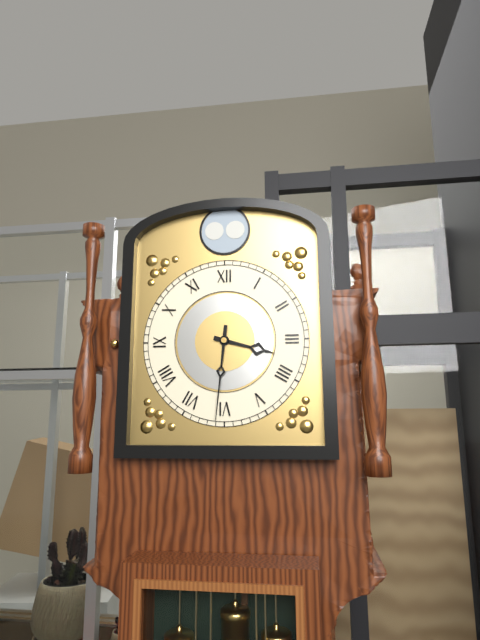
{"hour": 3, "minute": 31}
